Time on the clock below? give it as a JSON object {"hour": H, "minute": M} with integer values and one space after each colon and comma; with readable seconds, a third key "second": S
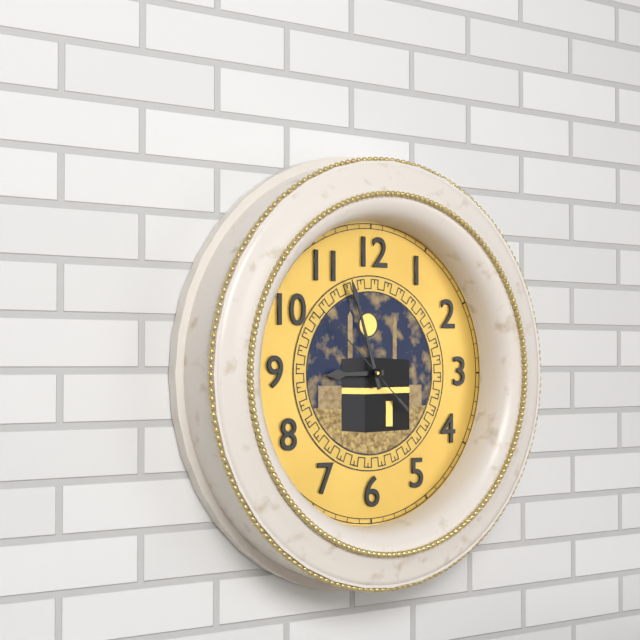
{"hour": 8, "minute": 57, "second": 52}
